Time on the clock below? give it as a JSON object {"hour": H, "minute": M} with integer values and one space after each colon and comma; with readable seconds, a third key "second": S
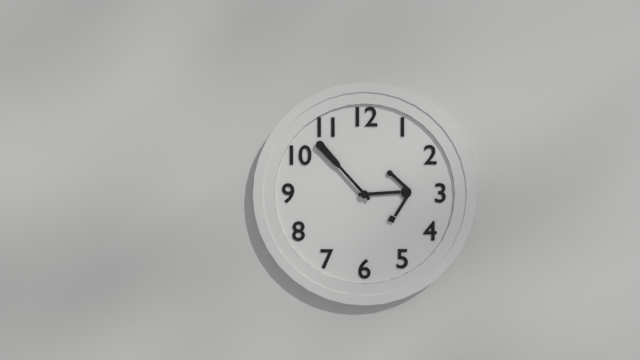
{"hour": 2, "minute": 53}
